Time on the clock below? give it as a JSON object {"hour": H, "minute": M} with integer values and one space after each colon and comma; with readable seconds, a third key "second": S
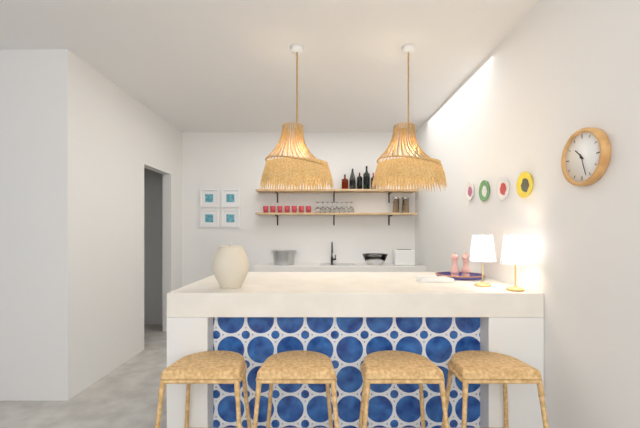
{"hour": 10, "minute": 27}
